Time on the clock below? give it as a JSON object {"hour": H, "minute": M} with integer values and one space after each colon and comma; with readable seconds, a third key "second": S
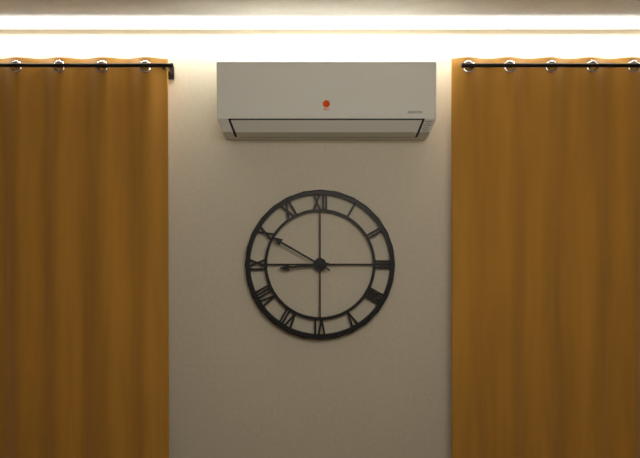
{"hour": 8, "minute": 50}
